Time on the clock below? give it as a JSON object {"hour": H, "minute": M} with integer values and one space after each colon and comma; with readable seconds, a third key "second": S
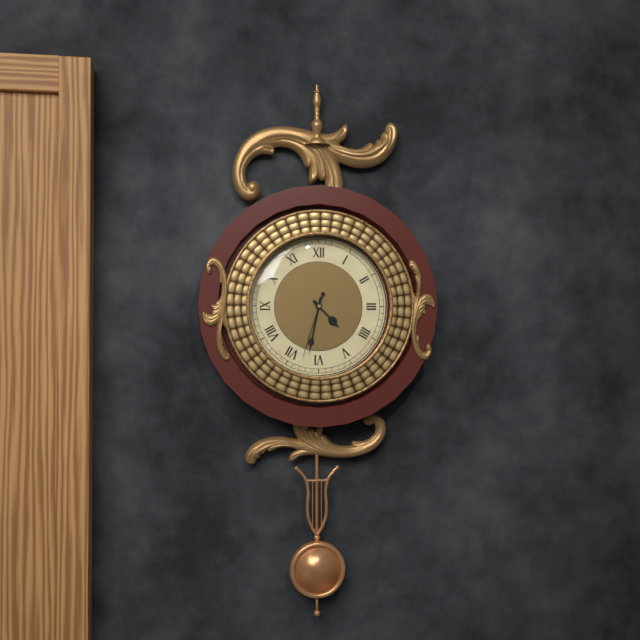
{"hour": 4, "minute": 32, "second": 33}
